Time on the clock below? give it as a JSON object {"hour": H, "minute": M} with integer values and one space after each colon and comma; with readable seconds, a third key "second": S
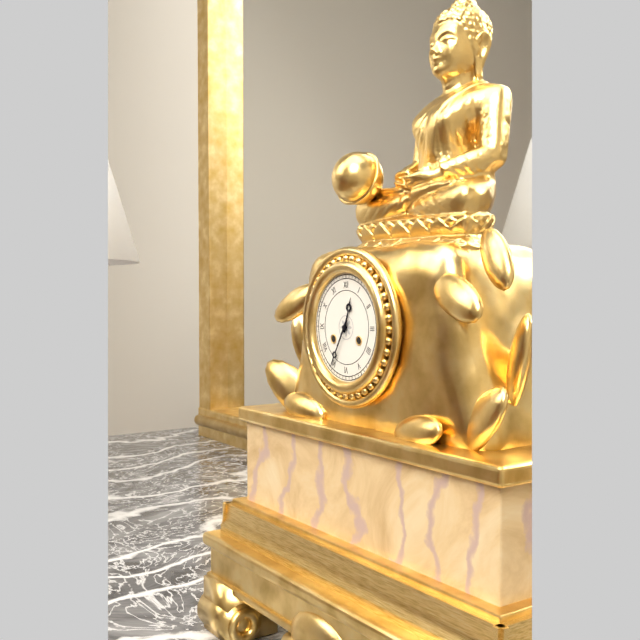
{"hour": 12, "minute": 35}
